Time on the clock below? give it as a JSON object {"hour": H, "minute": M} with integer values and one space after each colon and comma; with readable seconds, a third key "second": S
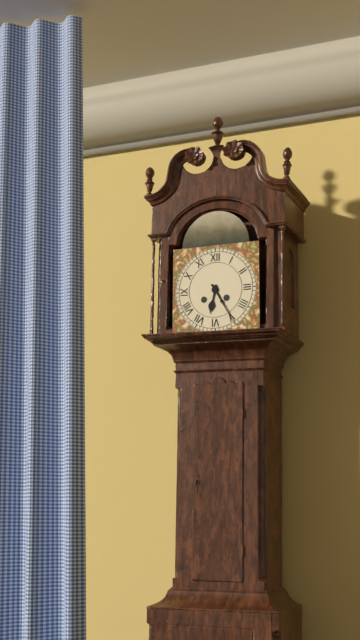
{"hour": 6, "minute": 25}
